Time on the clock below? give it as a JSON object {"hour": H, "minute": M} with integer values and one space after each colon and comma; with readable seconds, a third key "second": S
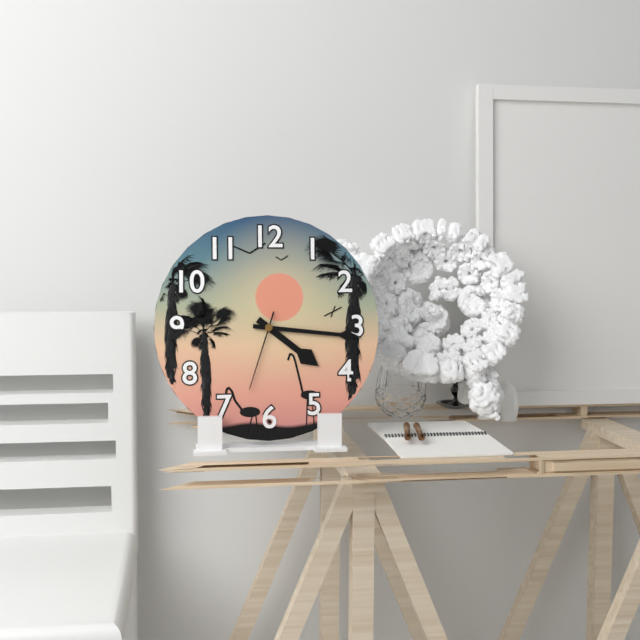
{"hour": 4, "minute": 16, "second": 33}
